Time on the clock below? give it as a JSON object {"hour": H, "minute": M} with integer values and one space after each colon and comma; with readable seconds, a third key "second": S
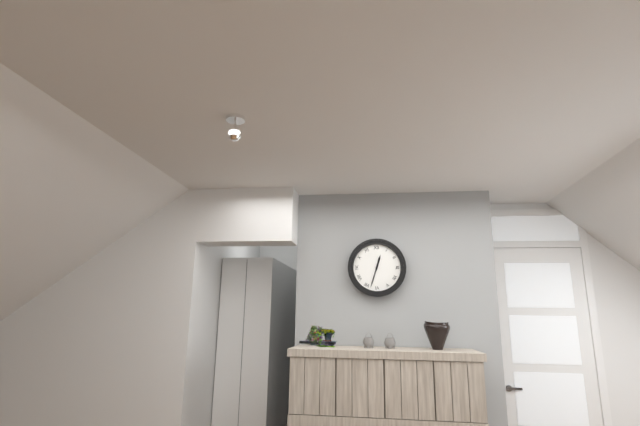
{"hour": 12, "minute": 33}
